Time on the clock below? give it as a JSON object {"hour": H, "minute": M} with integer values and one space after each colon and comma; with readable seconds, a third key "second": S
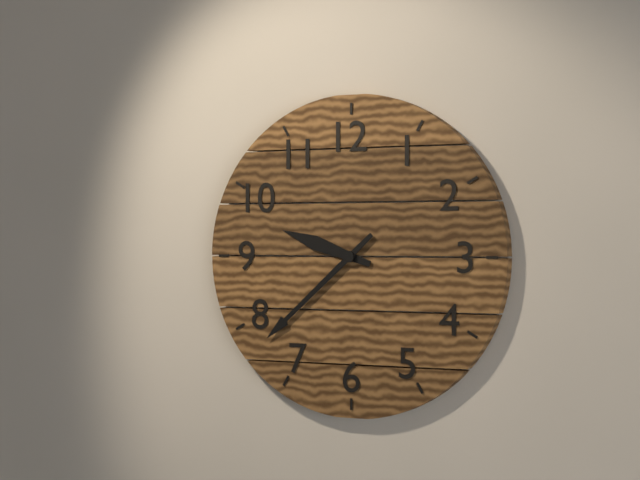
{"hour": 9, "minute": 38}
